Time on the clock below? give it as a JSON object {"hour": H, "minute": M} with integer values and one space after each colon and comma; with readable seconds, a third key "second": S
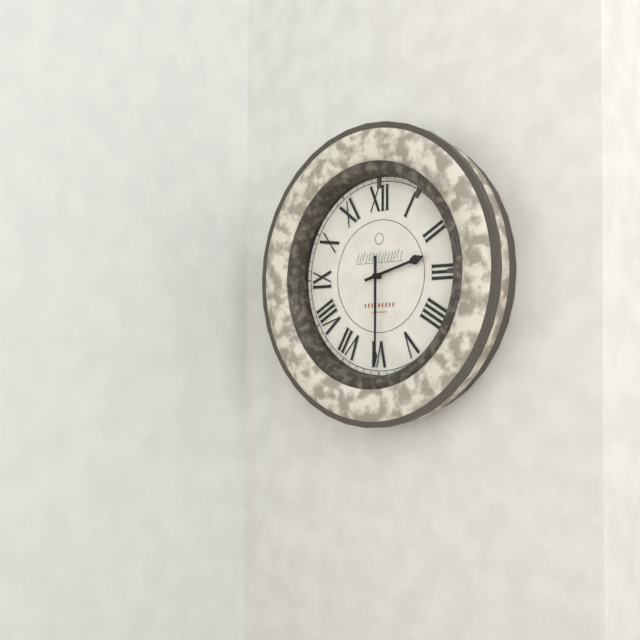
{"hour": 2, "minute": 30}
